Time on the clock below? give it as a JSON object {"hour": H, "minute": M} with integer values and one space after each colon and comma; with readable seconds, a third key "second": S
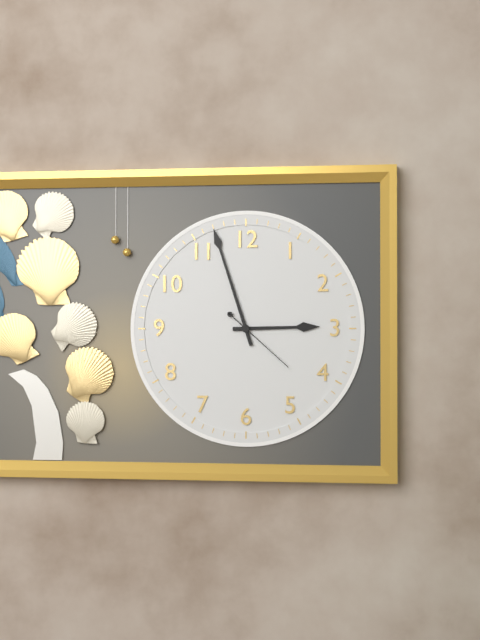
{"hour": 2, "minute": 57, "second": 22}
